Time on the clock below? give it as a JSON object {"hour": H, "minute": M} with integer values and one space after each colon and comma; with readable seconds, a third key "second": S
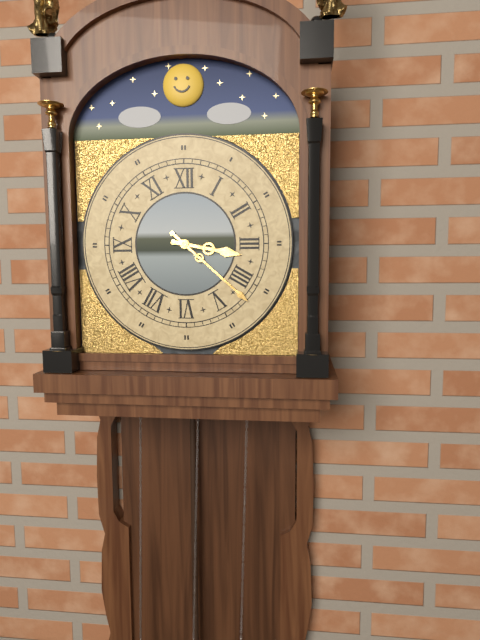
{"hour": 3, "minute": 22}
